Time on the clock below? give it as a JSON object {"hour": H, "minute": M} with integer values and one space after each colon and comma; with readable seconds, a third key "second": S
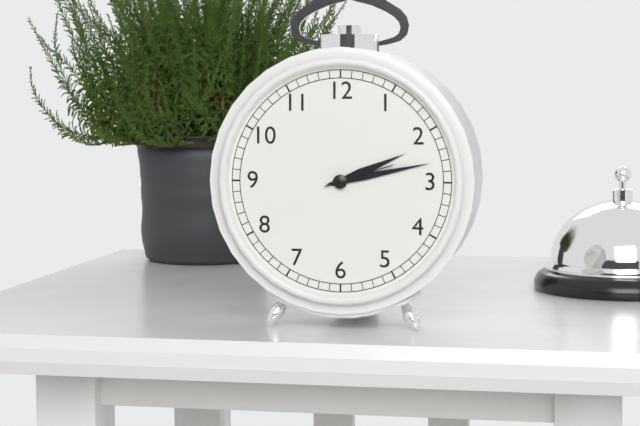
{"hour": 2, "minute": 13, "second": 12}
